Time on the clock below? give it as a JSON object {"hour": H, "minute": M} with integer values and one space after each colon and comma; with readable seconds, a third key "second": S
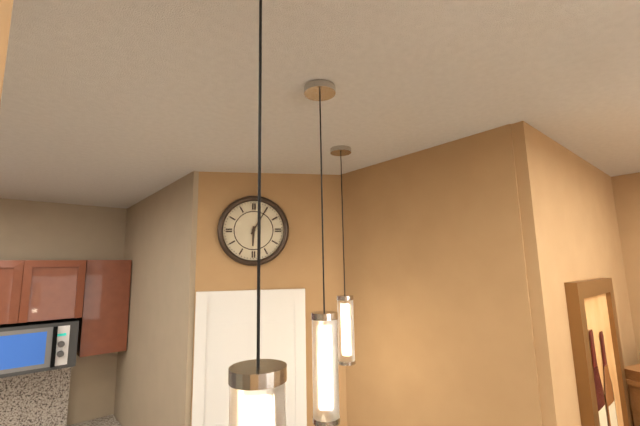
{"hour": 6, "minute": 5}
